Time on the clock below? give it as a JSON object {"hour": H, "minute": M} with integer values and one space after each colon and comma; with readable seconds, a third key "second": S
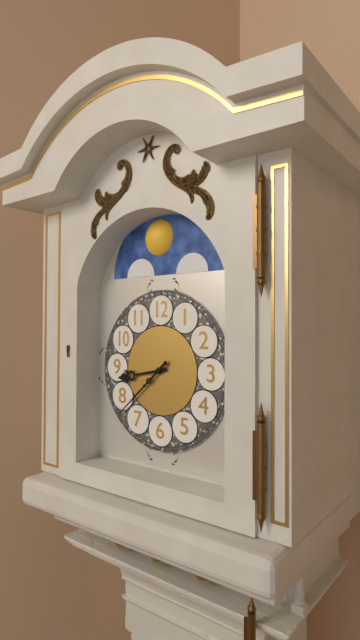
{"hour": 8, "minute": 38}
